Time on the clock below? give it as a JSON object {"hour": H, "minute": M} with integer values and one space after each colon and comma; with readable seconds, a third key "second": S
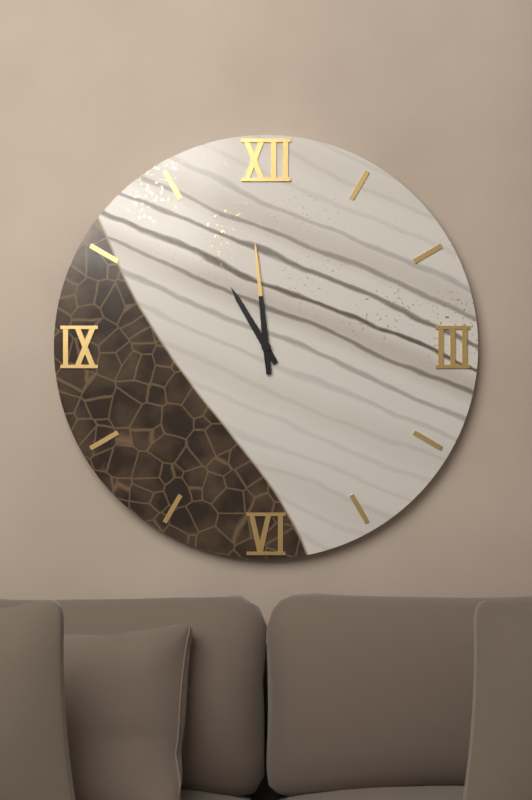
{"hour": 10, "minute": 59}
